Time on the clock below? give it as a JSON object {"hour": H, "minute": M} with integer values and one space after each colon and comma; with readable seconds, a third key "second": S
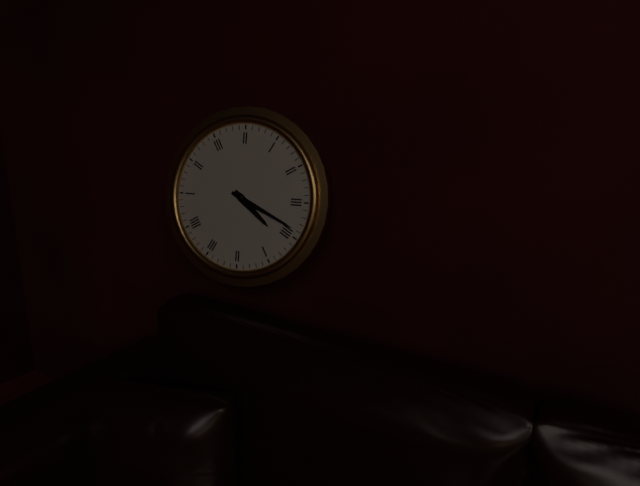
{"hour": 4, "minute": 19}
